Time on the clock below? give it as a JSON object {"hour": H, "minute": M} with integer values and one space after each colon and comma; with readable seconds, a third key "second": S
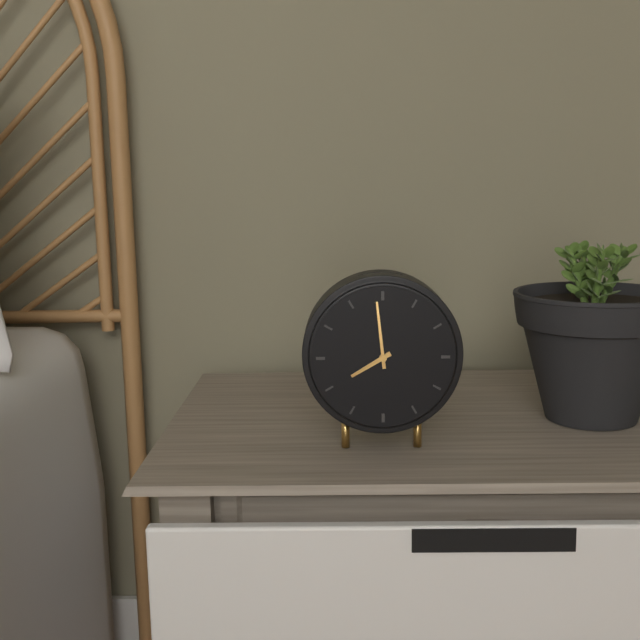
{"hour": 7, "minute": 59}
